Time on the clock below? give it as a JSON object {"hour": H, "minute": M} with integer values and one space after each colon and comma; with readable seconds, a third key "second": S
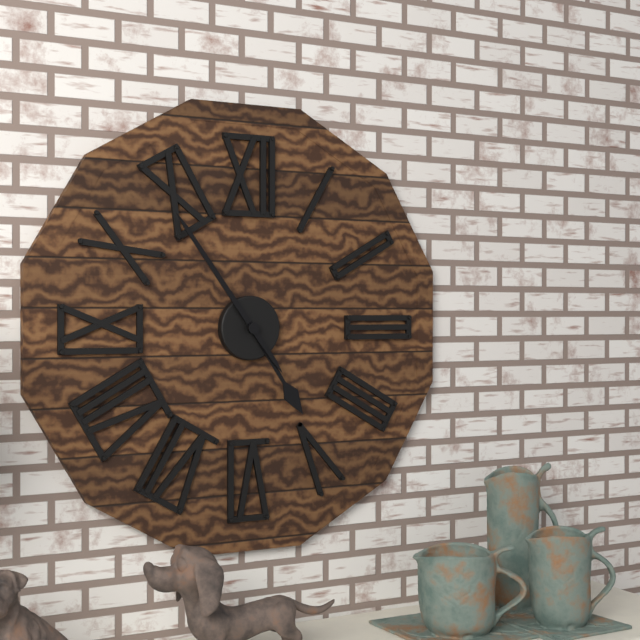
{"hour": 4, "minute": 54}
